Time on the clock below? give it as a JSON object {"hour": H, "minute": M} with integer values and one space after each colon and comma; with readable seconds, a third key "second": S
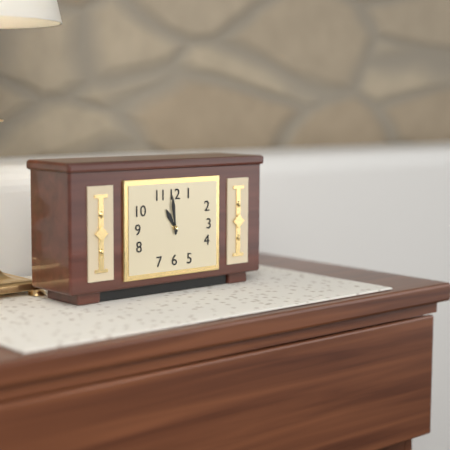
{"hour": 10, "minute": 59}
